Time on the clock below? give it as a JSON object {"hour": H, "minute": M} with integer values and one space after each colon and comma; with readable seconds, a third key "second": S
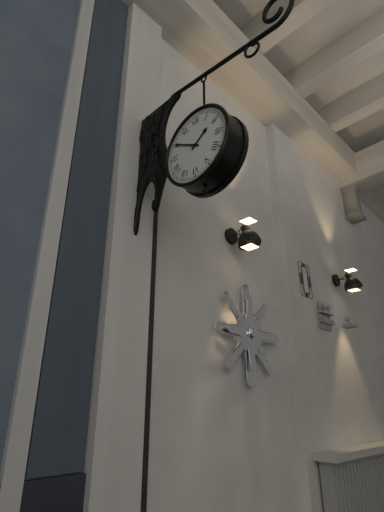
{"hour": 1, "minute": 50}
